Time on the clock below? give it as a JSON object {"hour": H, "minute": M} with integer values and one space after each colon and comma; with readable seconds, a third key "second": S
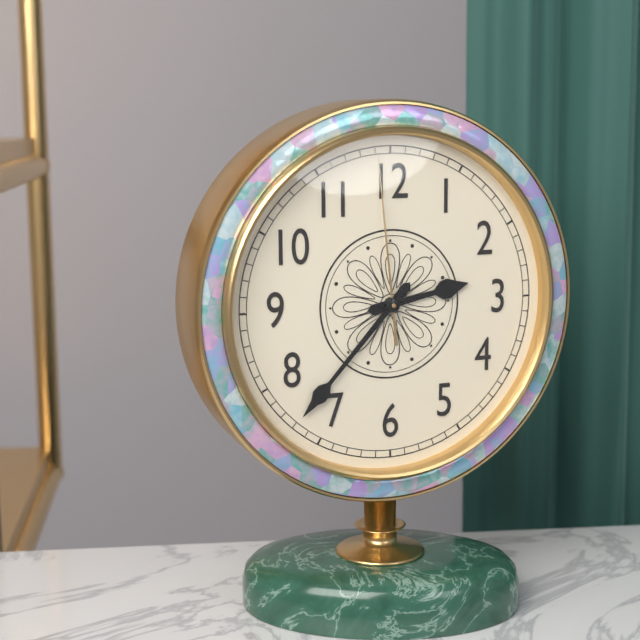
{"hour": 2, "minute": 37, "second": 59}
